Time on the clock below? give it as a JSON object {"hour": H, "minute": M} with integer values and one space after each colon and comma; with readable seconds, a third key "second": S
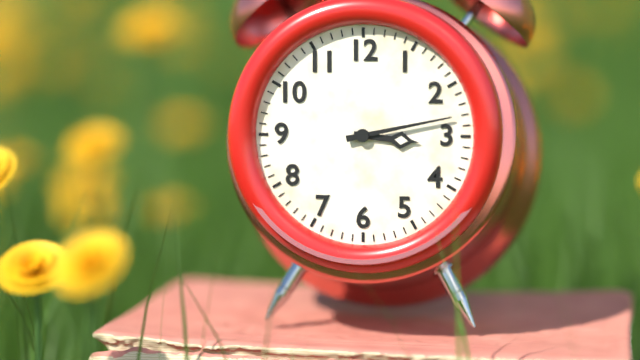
{"hour": 3, "minute": 13}
